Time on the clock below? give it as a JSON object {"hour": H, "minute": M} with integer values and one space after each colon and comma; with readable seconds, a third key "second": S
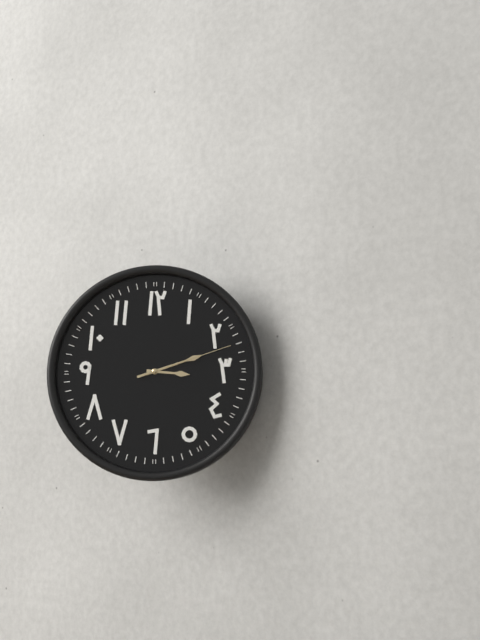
{"hour": 3, "minute": 12, "second": 12}
